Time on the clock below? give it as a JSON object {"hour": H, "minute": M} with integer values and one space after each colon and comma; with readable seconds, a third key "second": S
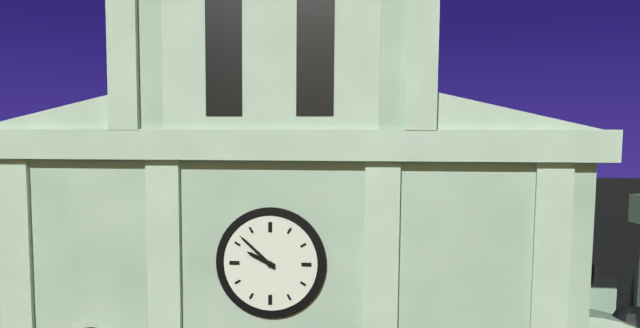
{"hour": 9, "minute": 52}
